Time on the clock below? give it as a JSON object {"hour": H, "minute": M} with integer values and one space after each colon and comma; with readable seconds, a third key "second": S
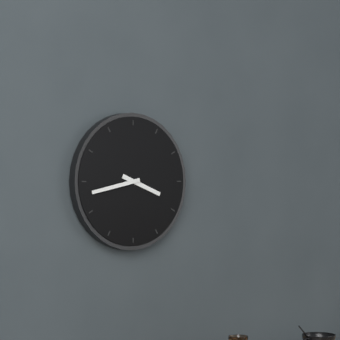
{"hour": 3, "minute": 43}
